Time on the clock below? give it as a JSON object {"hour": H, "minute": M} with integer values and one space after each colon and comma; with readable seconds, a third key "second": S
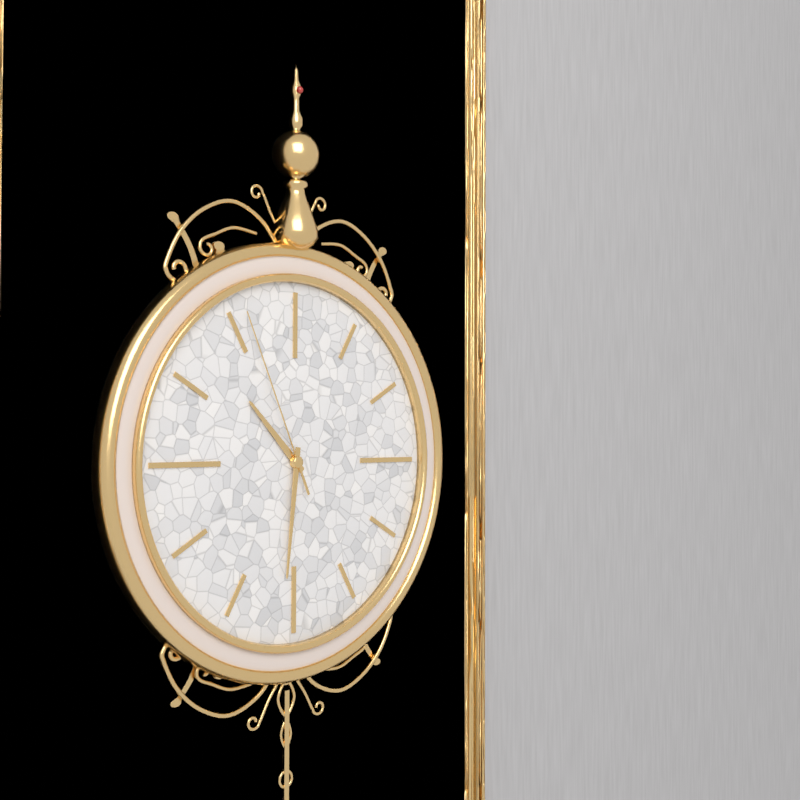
{"hour": 10, "minute": 31, "second": 56}
